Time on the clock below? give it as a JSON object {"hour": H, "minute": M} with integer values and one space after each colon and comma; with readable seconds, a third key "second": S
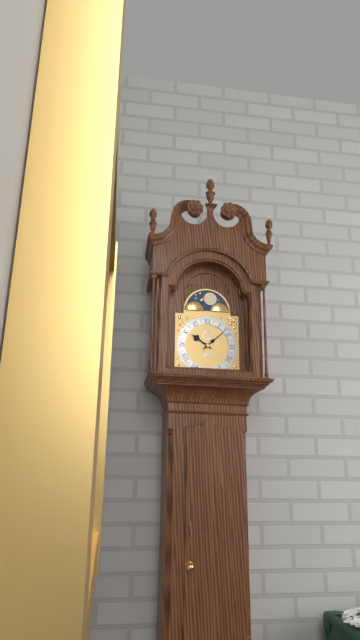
{"hour": 10, "minute": 8}
